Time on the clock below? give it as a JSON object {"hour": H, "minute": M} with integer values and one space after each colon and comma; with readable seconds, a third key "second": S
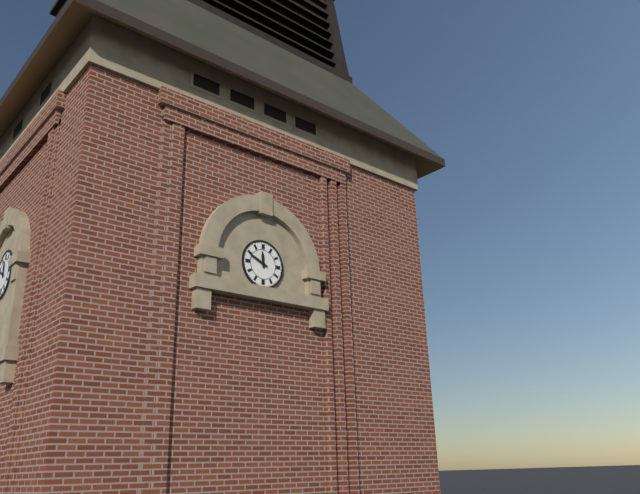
{"hour": 11, "minute": 49}
